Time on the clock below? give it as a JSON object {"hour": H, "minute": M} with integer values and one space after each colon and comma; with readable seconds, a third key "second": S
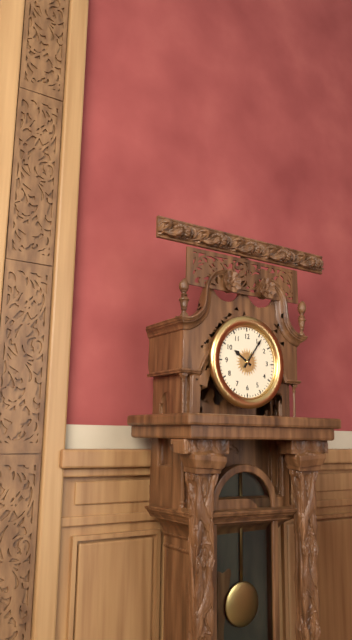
{"hour": 10, "minute": 6}
